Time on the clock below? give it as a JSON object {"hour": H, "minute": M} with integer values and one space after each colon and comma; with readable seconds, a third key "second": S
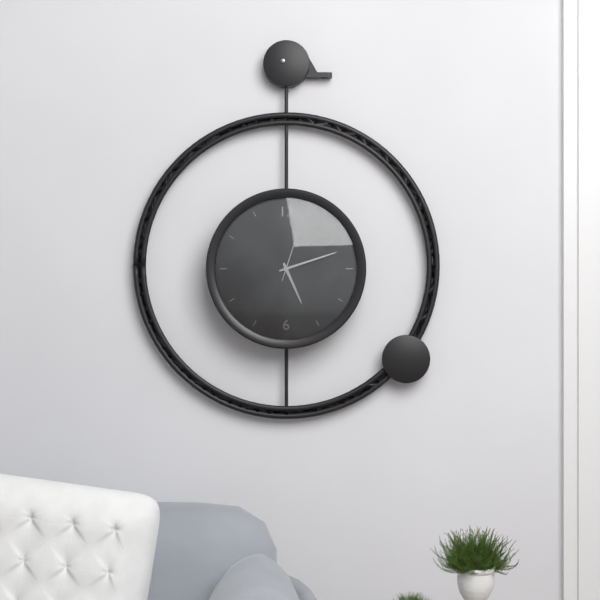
{"hour": 5, "minute": 12, "second": 3}
